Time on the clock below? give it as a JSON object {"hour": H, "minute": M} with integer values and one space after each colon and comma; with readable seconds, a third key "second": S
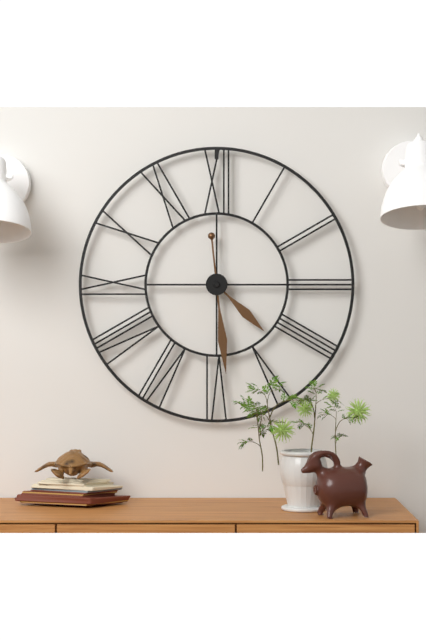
{"hour": 4, "minute": 29}
